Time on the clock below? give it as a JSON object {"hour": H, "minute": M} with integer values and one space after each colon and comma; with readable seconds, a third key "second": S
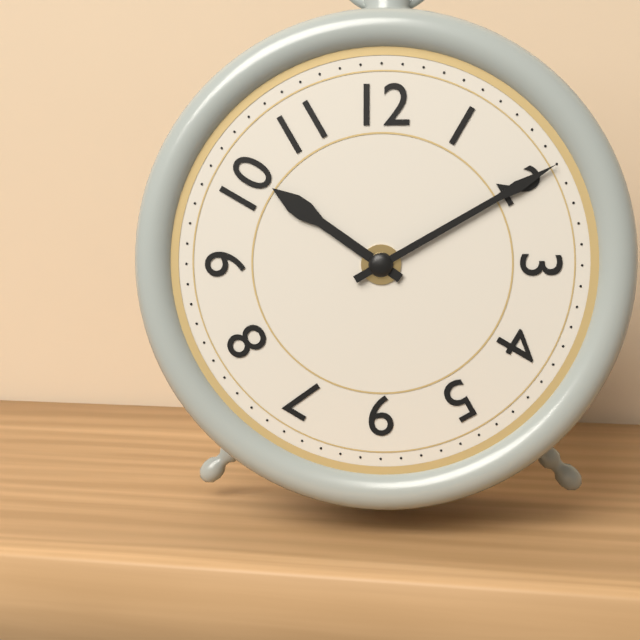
{"hour": 10, "minute": 10}
